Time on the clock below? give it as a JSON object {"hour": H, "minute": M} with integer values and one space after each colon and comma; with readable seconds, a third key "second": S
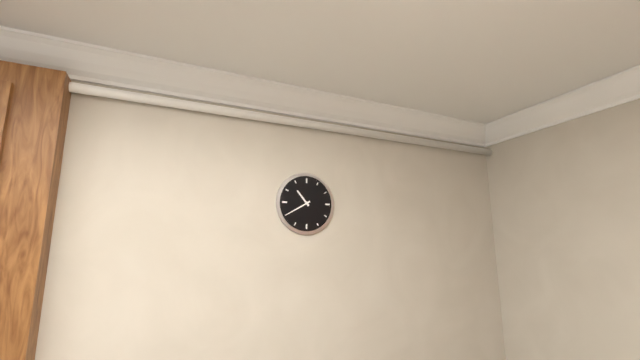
{"hour": 10, "minute": 40}
